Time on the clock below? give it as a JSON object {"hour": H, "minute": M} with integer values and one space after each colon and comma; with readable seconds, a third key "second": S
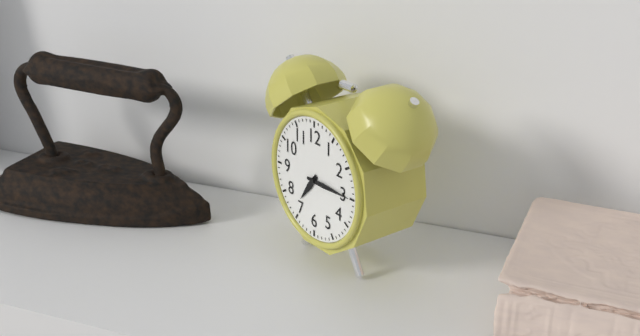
{"hour": 7, "minute": 15}
